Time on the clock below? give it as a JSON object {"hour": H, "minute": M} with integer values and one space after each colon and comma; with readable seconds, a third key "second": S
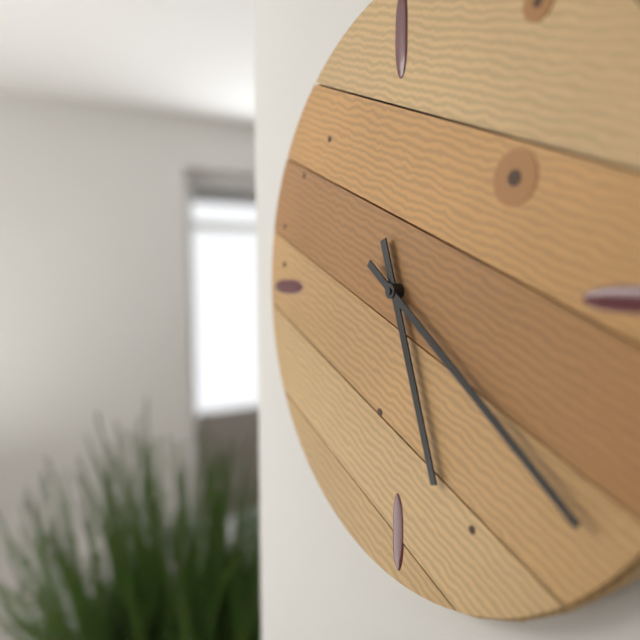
{"hour": 5, "minute": 21}
